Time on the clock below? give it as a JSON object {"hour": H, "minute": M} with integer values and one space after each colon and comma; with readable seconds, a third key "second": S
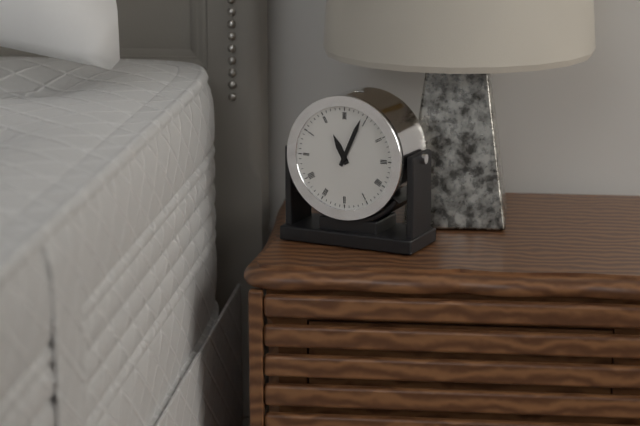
{"hour": 11, "minute": 4}
